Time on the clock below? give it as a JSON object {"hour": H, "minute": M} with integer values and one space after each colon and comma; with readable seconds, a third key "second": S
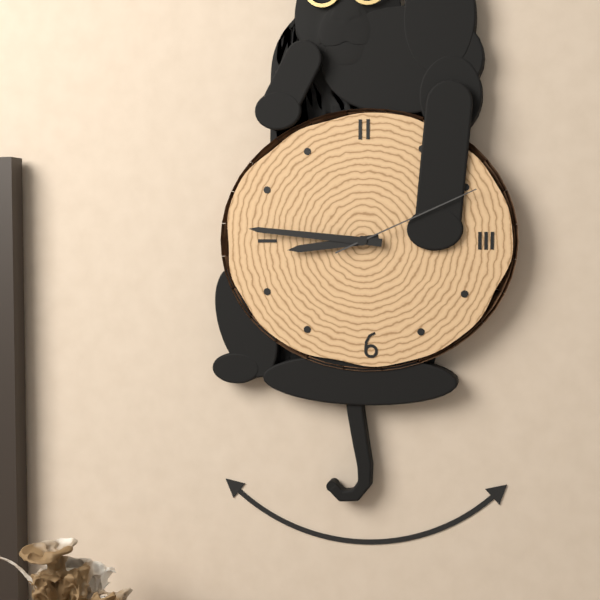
{"hour": 8, "minute": 46, "second": 11}
